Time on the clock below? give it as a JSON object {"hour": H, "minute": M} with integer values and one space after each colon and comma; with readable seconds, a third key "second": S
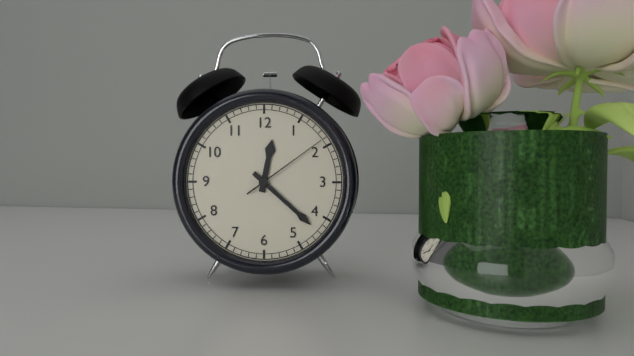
{"hour": 12, "minute": 22, "second": 9}
